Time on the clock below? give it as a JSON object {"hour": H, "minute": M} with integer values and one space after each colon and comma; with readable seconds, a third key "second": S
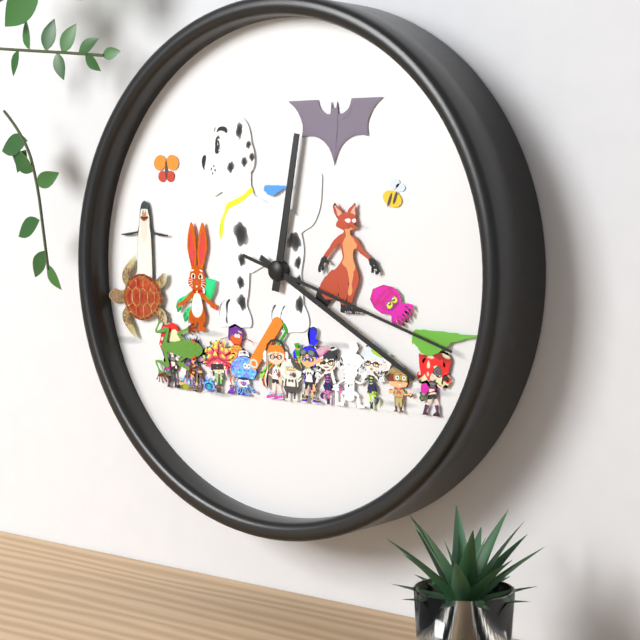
{"hour": 12, "minute": 20, "second": 18}
